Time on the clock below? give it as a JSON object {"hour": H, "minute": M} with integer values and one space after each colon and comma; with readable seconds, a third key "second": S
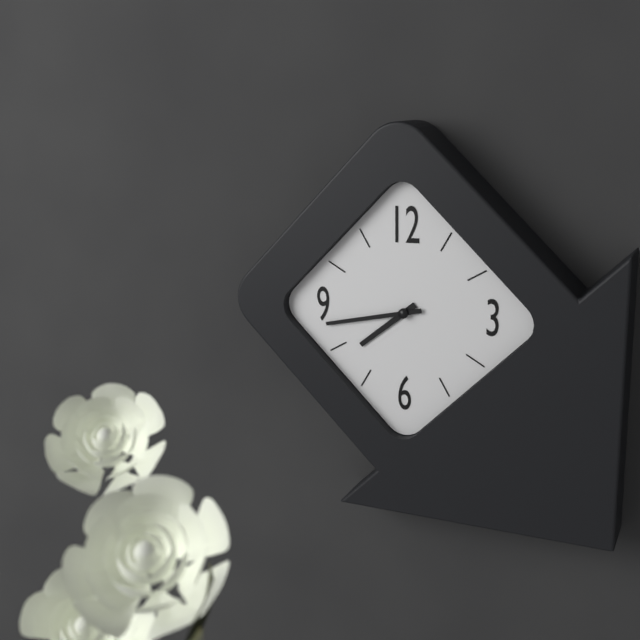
{"hour": 7, "minute": 43}
